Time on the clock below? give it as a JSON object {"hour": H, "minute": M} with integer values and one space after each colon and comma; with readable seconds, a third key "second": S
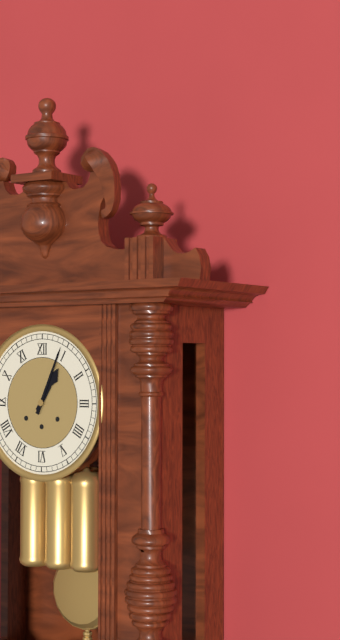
{"hour": 1, "minute": 4}
